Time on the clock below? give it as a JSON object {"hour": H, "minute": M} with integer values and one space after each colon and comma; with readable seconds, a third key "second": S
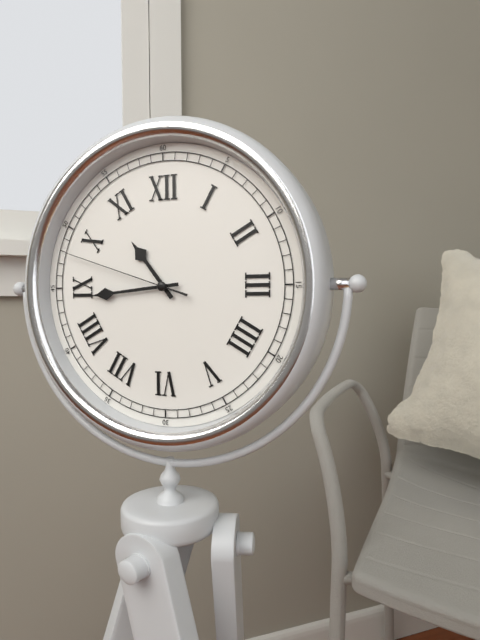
{"hour": 10, "minute": 44, "second": 48}
